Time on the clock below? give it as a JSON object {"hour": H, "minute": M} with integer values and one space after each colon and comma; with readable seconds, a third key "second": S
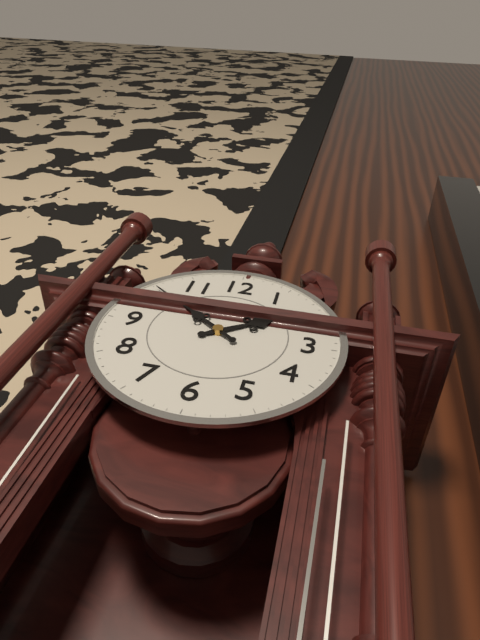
{"hour": 1, "minute": 51}
